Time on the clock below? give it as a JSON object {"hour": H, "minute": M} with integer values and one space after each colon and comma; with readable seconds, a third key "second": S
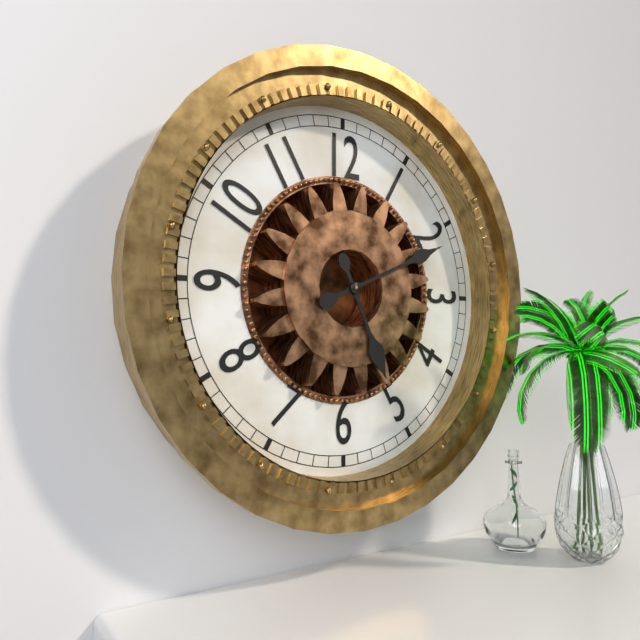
{"hour": 5, "minute": 11}
